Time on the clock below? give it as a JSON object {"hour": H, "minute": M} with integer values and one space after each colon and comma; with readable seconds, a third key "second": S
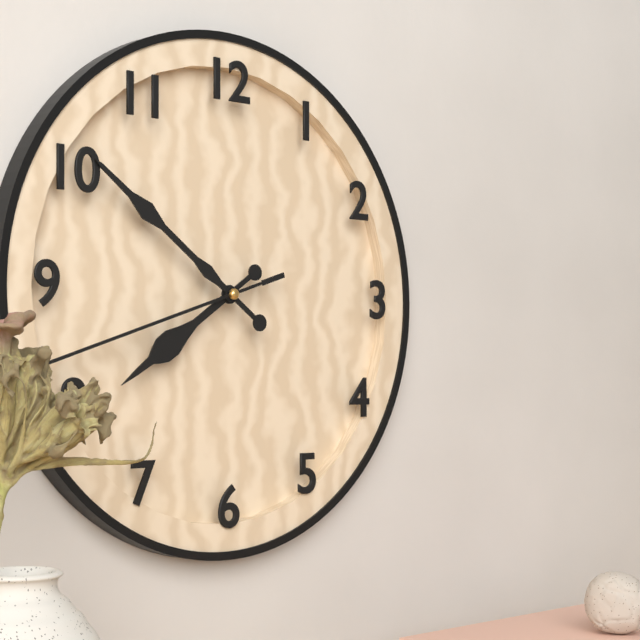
{"hour": 7, "minute": 51, "second": 42}
